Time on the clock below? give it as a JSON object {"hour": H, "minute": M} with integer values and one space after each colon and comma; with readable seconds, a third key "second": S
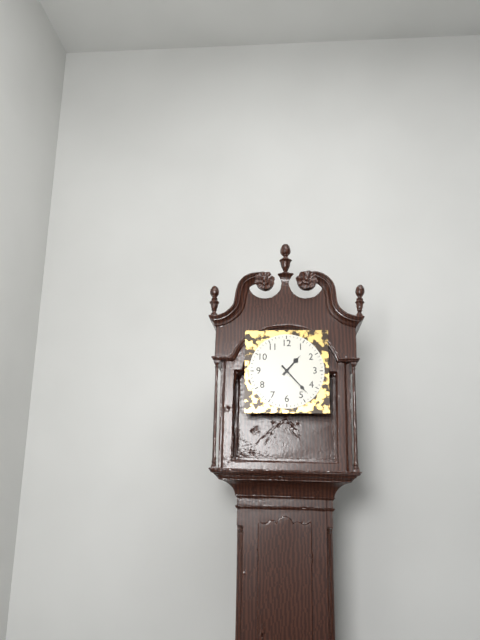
{"hour": 1, "minute": 23}
